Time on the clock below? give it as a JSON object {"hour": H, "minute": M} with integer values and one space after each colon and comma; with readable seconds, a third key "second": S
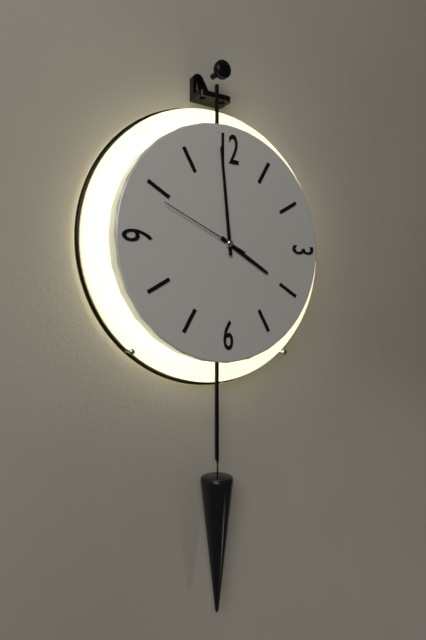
{"hour": 3, "minute": 59, "second": 49}
